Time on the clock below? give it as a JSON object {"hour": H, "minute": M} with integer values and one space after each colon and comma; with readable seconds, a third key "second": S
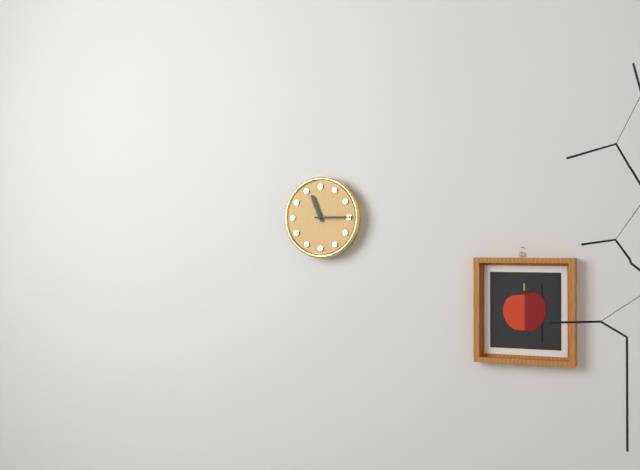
{"hour": 11, "minute": 15}
